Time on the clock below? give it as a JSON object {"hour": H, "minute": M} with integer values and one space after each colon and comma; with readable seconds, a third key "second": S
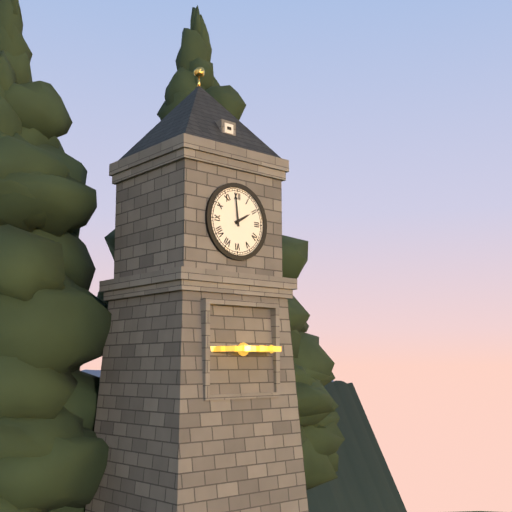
{"hour": 1, "minute": 59}
